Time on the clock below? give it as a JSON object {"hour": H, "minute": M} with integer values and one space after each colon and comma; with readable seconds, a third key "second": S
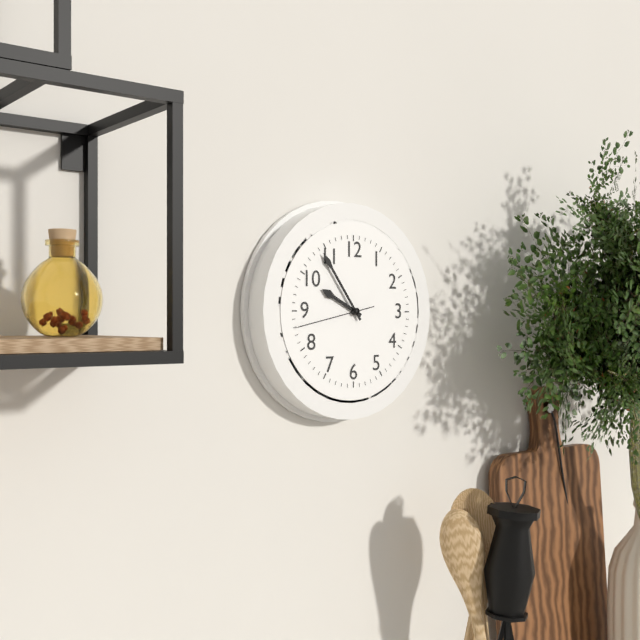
{"hour": 9, "minute": 54, "second": 43}
